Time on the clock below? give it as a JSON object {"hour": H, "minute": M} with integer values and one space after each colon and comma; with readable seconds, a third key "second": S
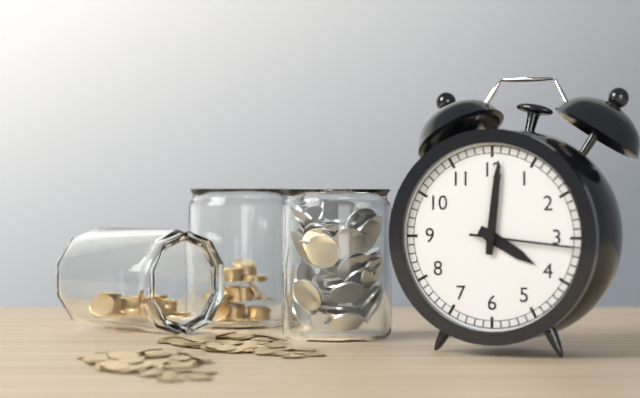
{"hour": 4, "minute": 1, "second": 16}
